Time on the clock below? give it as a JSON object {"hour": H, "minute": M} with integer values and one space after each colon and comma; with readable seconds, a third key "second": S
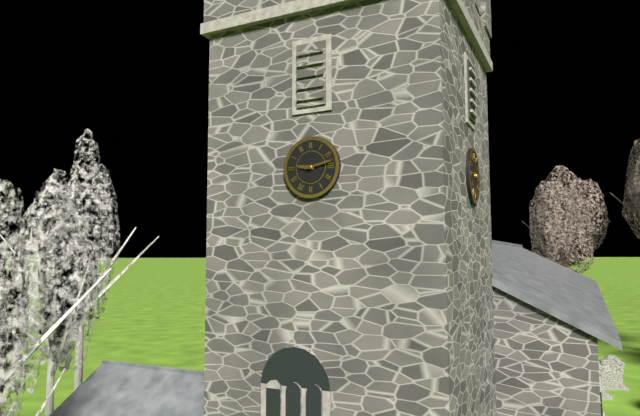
{"hour": 9, "minute": 13}
